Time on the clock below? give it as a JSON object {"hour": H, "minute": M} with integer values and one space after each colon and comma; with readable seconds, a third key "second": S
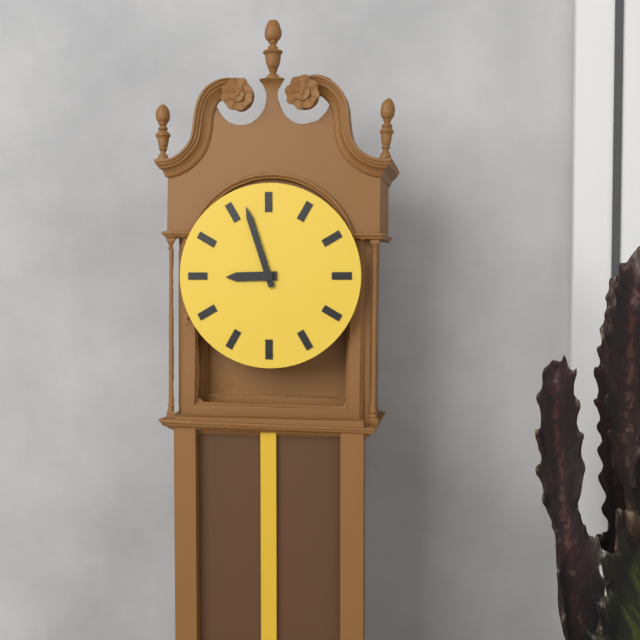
{"hour": 8, "minute": 57}
